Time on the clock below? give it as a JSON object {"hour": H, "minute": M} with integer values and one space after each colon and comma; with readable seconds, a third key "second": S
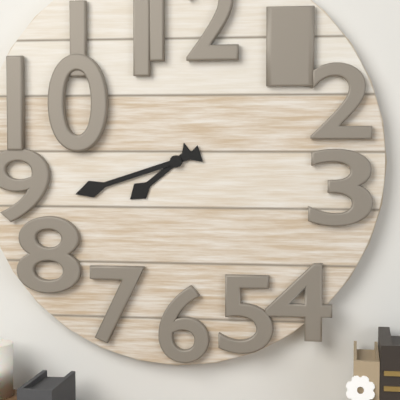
{"hour": 7, "minute": 42}
